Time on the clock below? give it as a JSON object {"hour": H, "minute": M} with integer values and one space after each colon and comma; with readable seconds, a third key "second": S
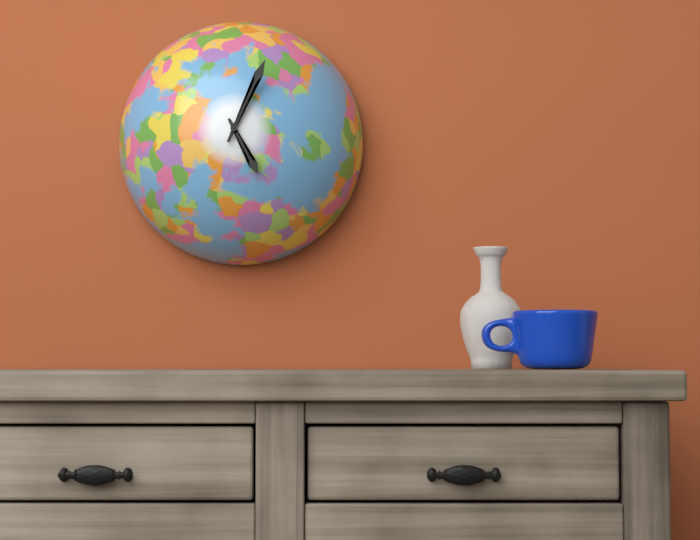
{"hour": 5, "minute": 4}
